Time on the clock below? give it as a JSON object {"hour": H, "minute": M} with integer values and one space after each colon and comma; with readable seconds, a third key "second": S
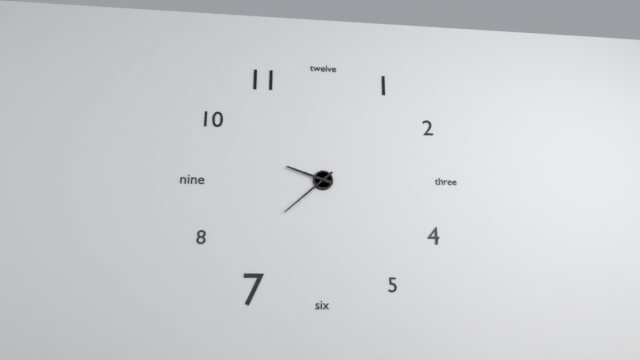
{"hour": 9, "minute": 38}
